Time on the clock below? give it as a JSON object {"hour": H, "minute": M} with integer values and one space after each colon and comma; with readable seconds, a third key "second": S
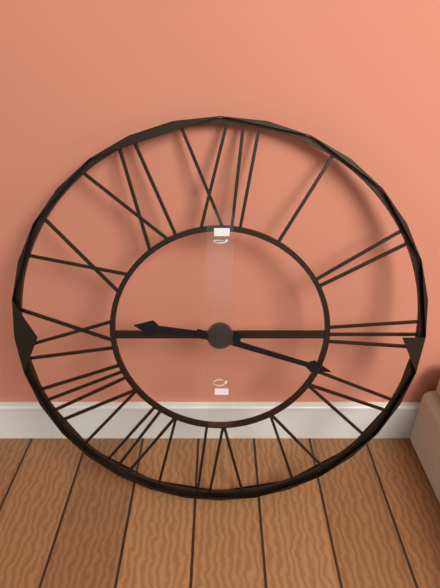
{"hour": 9, "minute": 18}
